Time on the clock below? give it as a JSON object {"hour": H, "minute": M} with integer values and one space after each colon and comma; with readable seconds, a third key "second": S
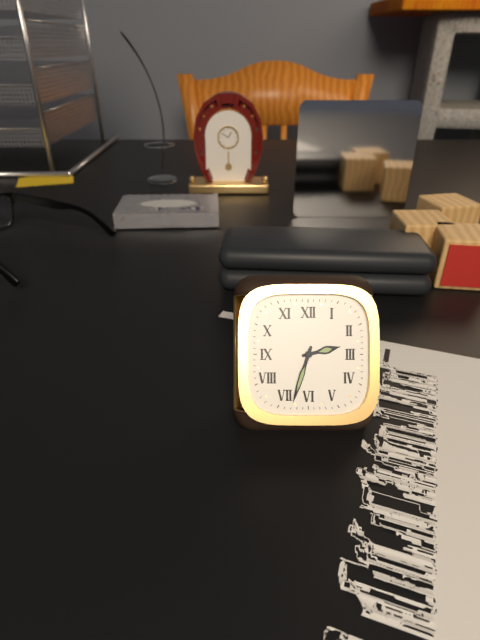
{"hour": 2, "minute": 33}
